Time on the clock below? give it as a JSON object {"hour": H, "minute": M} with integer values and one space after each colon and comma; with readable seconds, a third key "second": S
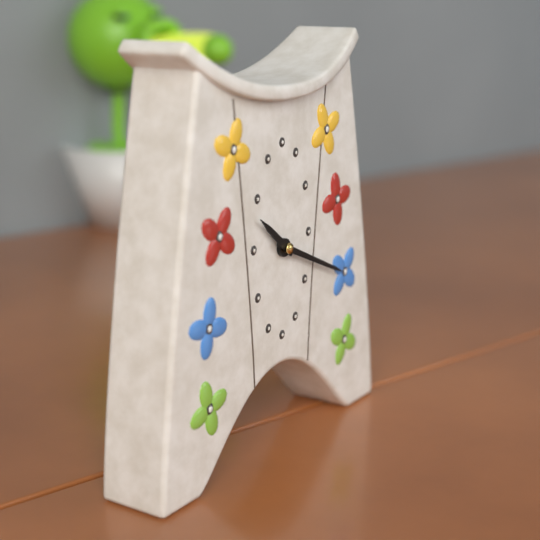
{"hour": 10, "minute": 19}
